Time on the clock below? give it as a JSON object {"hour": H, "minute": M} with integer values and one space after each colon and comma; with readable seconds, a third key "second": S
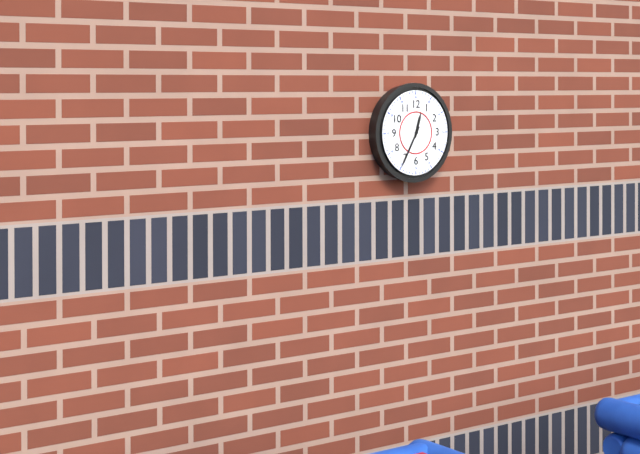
{"hour": 12, "minute": 35}
